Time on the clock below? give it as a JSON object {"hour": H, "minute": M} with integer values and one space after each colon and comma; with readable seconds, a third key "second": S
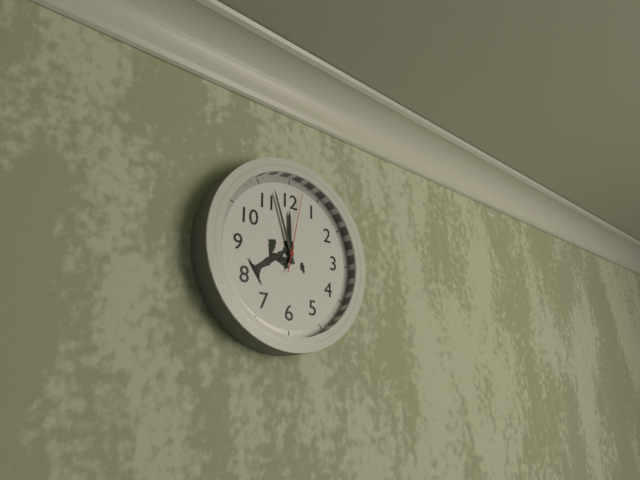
{"hour": 11, "minute": 57, "second": 2}
